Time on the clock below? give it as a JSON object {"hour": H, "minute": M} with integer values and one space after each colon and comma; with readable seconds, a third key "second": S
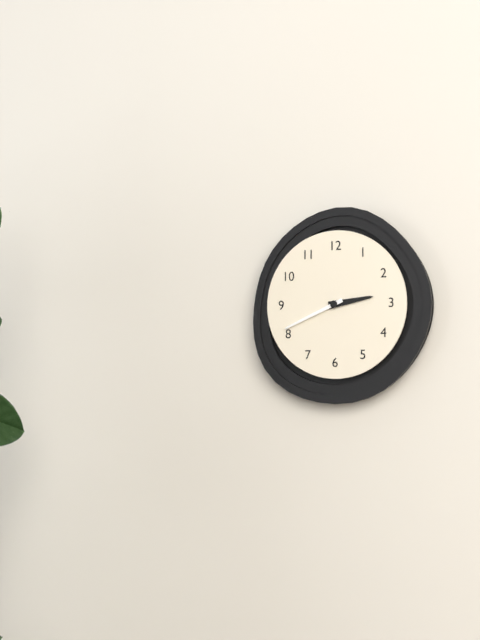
{"hour": 2, "minute": 41}
